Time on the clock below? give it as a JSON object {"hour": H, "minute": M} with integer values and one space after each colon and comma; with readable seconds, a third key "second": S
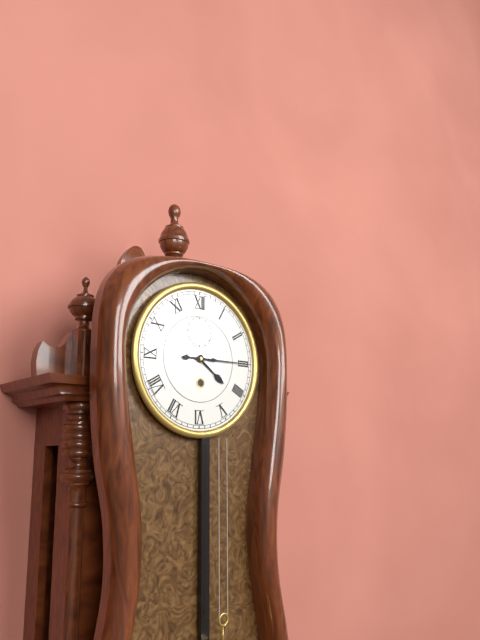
{"hour": 4, "minute": 15}
